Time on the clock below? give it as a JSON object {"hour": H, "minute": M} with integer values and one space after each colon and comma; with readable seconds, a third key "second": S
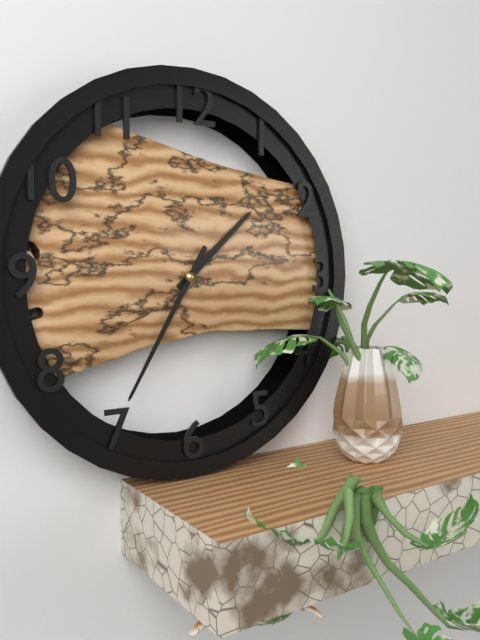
{"hour": 1, "minute": 35}
